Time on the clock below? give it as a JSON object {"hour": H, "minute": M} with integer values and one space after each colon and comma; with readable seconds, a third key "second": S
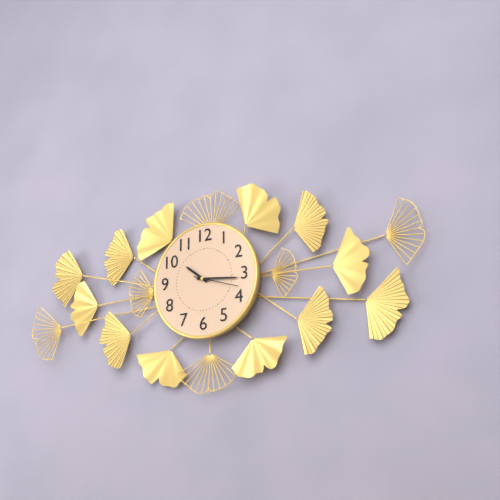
{"hour": 10, "minute": 16}
